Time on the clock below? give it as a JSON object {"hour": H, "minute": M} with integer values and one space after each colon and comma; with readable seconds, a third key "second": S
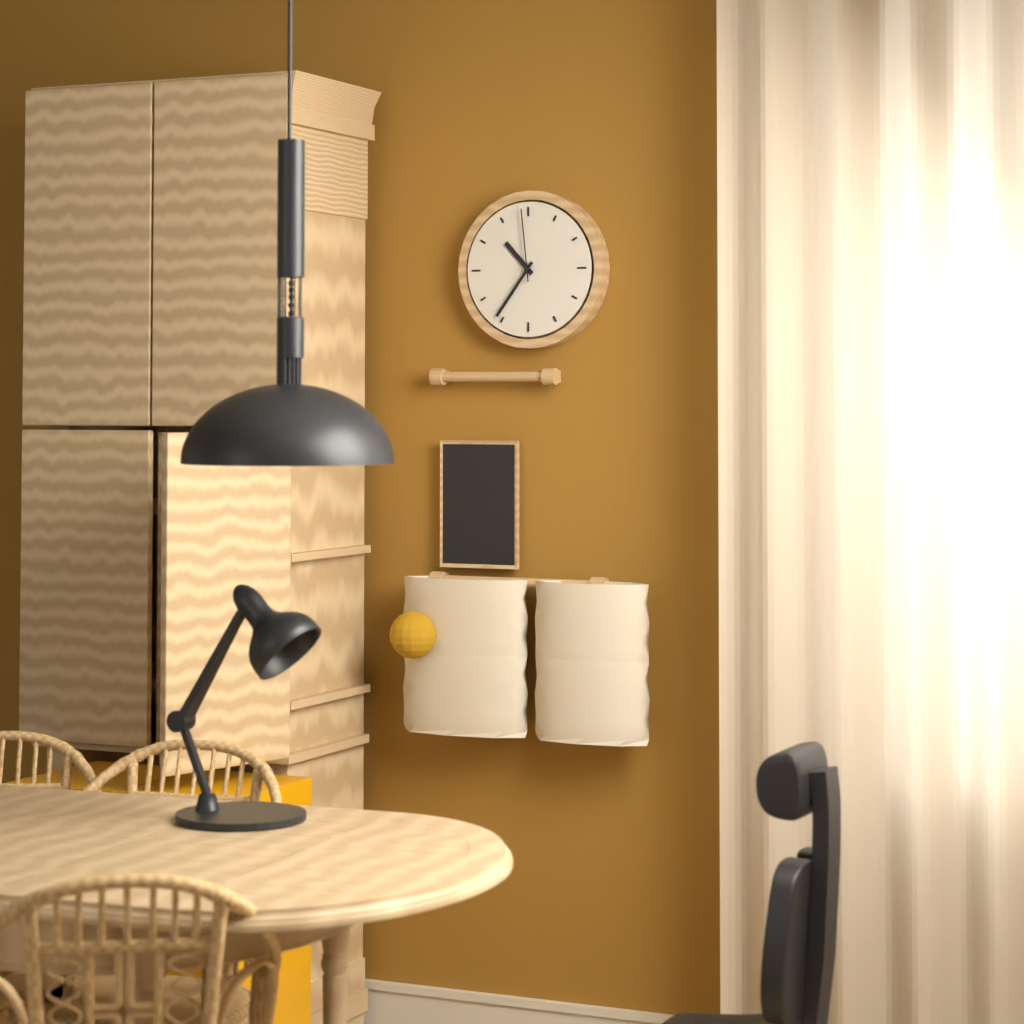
{"hour": 10, "minute": 36, "second": 59}
